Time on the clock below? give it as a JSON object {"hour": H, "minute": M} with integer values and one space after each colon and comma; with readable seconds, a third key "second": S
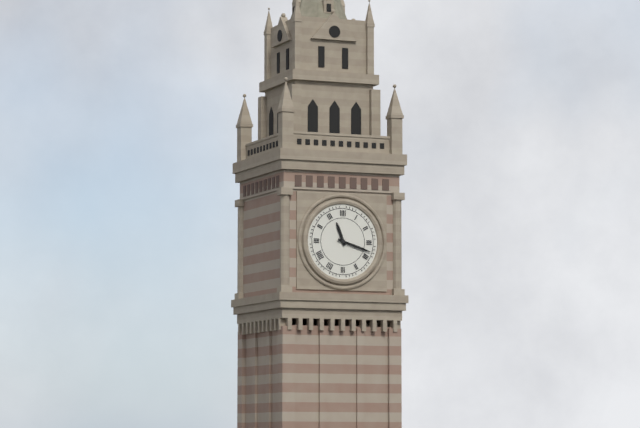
{"hour": 11, "minute": 18}
